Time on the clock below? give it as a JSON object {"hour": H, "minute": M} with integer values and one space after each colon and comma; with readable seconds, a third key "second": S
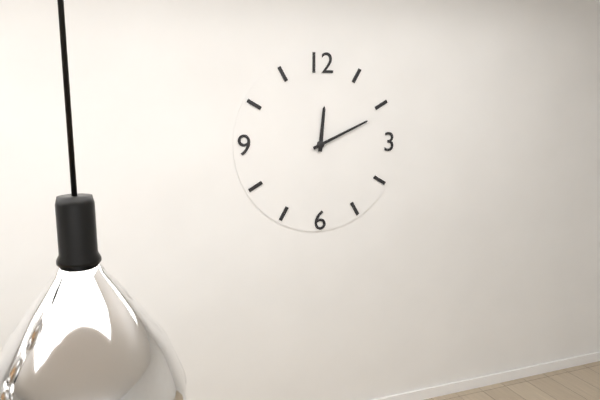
{"hour": 12, "minute": 11}
